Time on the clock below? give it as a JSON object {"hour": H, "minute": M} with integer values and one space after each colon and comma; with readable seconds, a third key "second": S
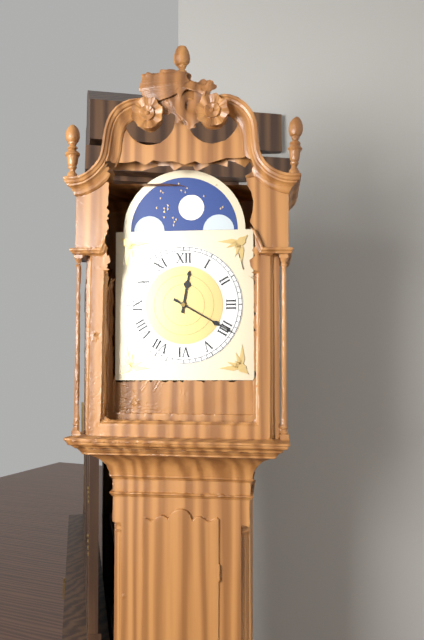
{"hour": 12, "minute": 20}
